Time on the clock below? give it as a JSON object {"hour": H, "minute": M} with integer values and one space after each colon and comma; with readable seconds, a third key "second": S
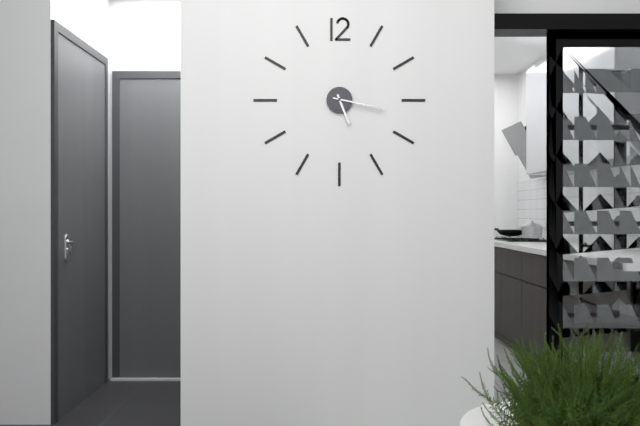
{"hour": 5, "minute": 17}
